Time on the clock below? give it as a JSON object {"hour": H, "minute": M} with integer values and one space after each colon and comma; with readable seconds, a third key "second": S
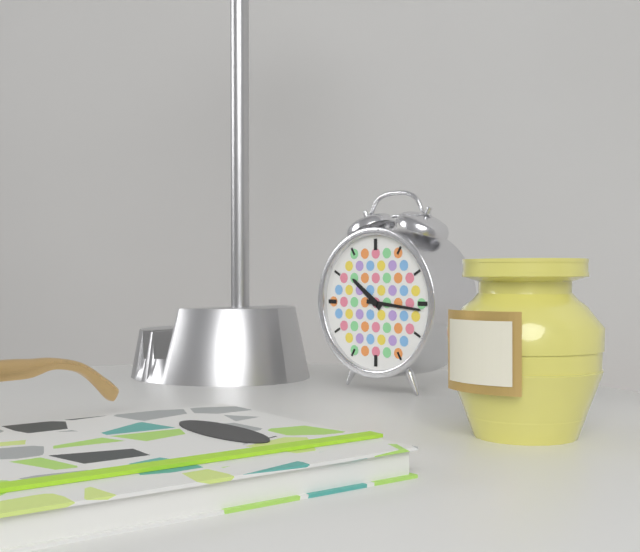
{"hour": 10, "minute": 16}
